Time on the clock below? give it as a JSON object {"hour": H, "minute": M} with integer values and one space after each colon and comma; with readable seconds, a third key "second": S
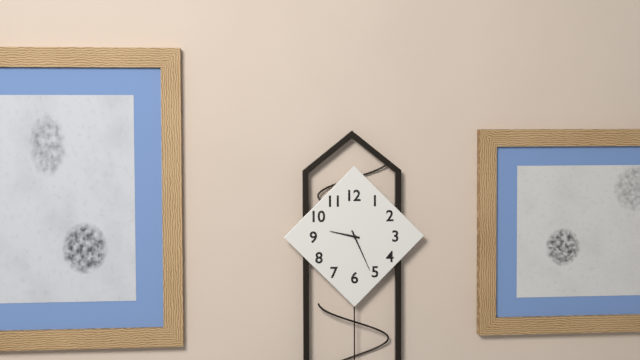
{"hour": 9, "minute": 26}
